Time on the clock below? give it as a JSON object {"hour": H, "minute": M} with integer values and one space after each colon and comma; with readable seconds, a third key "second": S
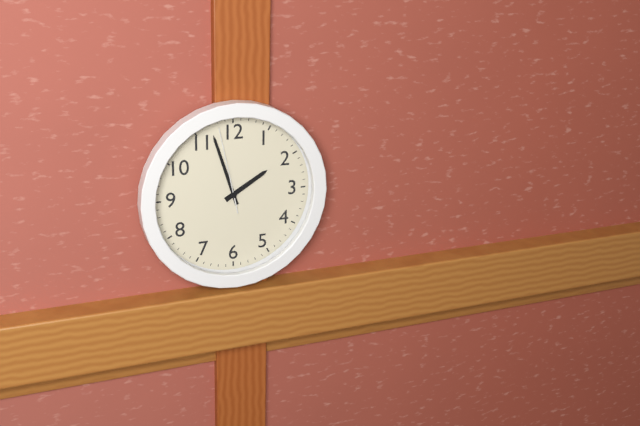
{"hour": 1, "minute": 57, "second": 58}
